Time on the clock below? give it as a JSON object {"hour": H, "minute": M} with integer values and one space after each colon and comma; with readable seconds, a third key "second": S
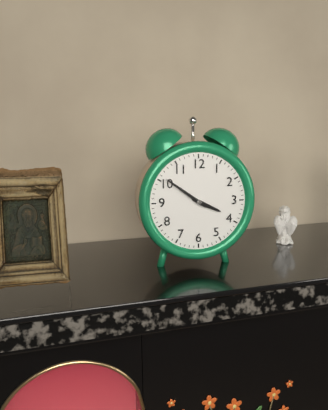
{"hour": 3, "minute": 51}
